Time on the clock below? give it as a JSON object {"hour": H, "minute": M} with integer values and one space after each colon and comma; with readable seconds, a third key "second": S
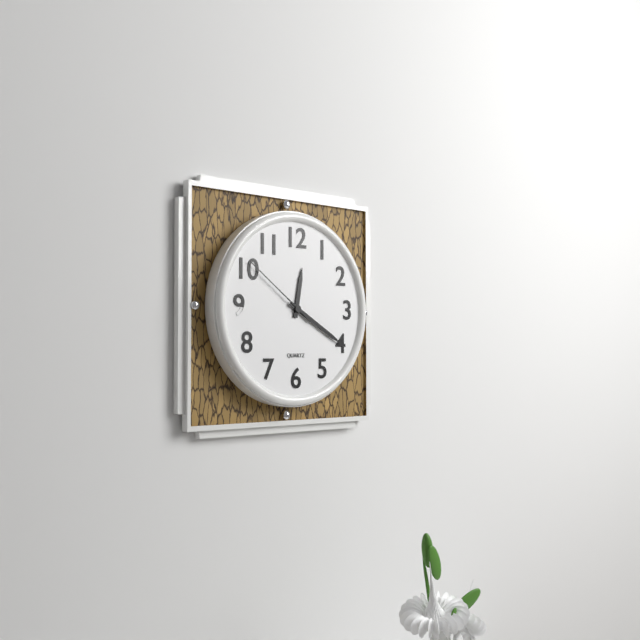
{"hour": 12, "minute": 20, "second": 51}
